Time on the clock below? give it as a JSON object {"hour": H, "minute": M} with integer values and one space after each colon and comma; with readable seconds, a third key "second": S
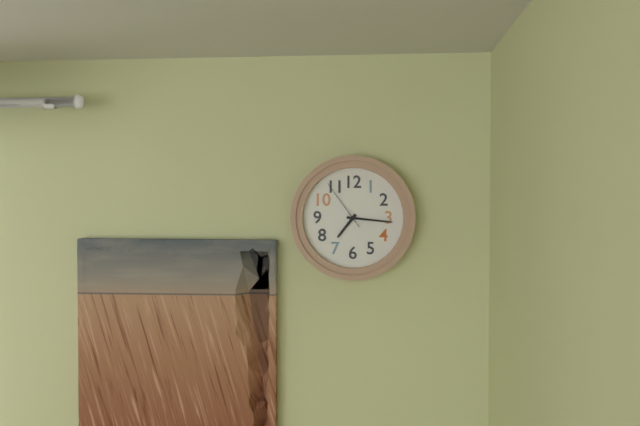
{"hour": 7, "minute": 16, "second": 54}
